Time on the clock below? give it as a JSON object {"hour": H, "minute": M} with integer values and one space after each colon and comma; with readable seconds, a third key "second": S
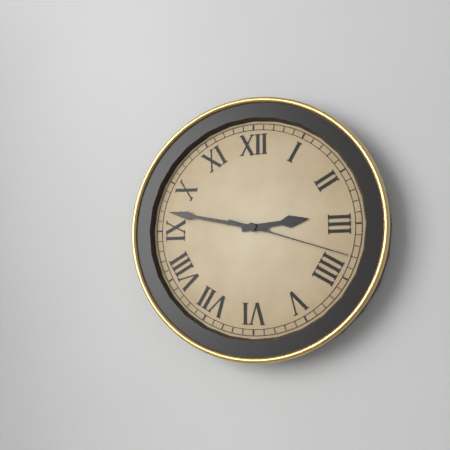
{"hour": 2, "minute": 47, "second": 18}
